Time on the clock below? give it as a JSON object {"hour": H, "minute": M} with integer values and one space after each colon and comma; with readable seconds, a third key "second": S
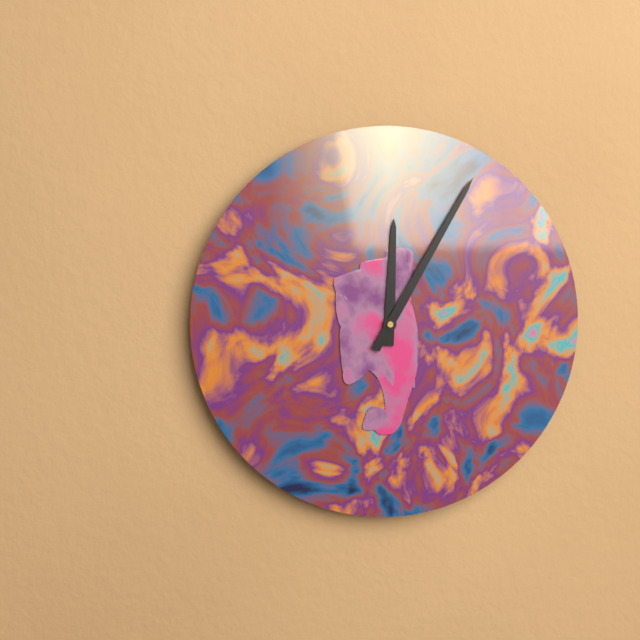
{"hour": 12, "minute": 5}
